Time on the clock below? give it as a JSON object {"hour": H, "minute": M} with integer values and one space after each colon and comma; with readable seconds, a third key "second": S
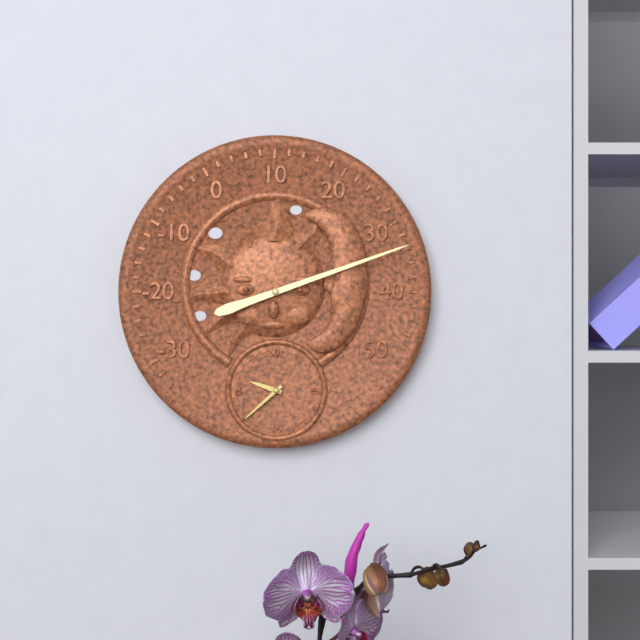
{"hour": 9, "minute": 38}
